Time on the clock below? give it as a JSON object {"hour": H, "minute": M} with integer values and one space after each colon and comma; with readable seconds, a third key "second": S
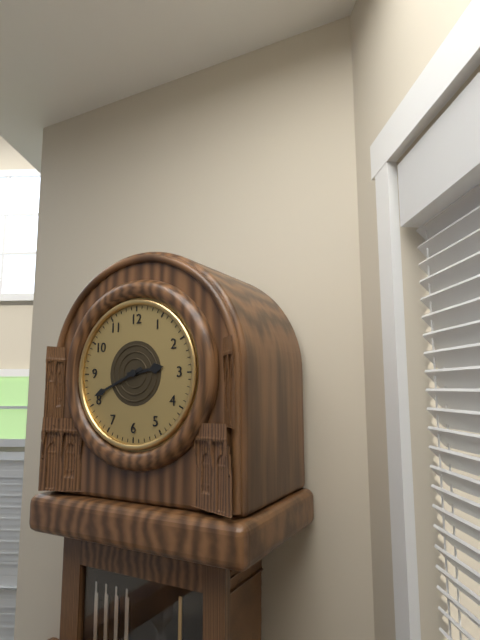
{"hour": 2, "minute": 41}
